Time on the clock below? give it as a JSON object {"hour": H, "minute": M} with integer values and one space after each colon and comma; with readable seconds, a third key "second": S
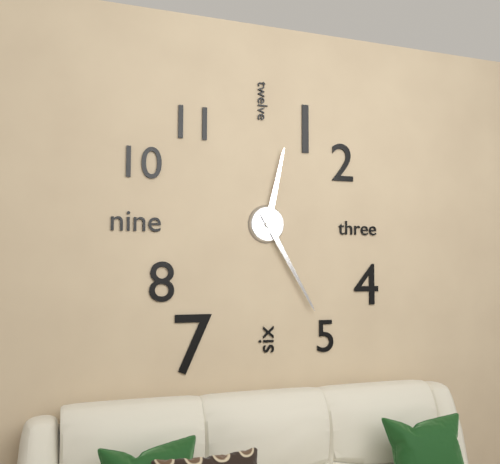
{"hour": 12, "minute": 25}
